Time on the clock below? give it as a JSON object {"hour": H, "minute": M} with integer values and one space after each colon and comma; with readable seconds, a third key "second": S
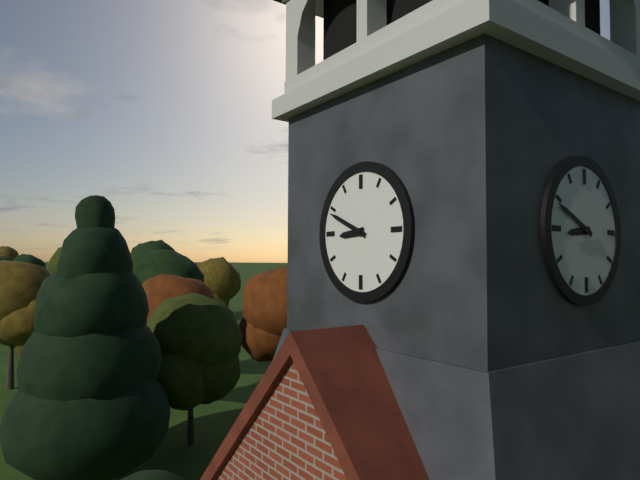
{"hour": 8, "minute": 49}
